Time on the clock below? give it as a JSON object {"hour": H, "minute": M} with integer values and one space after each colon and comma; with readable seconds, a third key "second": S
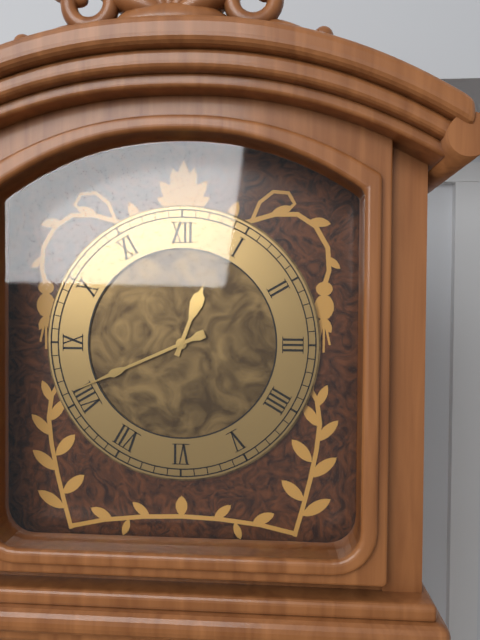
{"hour": 12, "minute": 41}
